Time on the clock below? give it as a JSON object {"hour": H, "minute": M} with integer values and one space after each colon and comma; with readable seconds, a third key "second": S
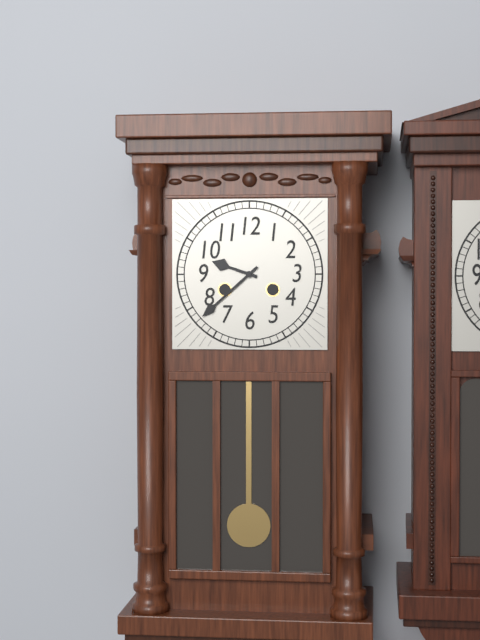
{"hour": 9, "minute": 38}
